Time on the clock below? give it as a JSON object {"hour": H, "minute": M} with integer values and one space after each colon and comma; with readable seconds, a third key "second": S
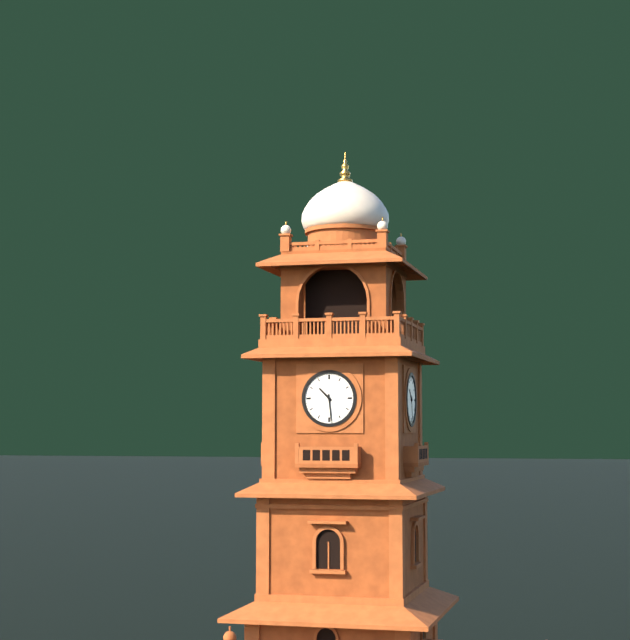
{"hour": 10, "minute": 29}
